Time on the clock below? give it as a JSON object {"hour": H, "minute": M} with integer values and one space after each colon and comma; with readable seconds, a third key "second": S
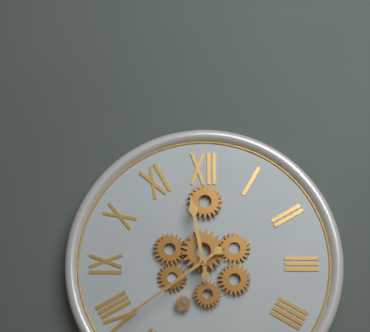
{"hour": 11, "minute": 39}
